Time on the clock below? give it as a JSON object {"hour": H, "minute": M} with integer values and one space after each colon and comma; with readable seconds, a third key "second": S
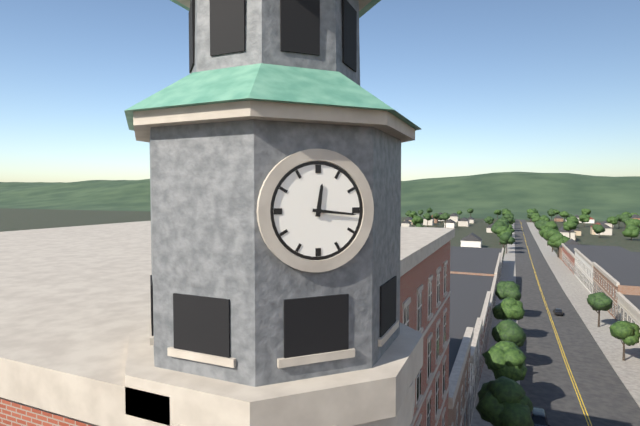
{"hour": 12, "minute": 16}
